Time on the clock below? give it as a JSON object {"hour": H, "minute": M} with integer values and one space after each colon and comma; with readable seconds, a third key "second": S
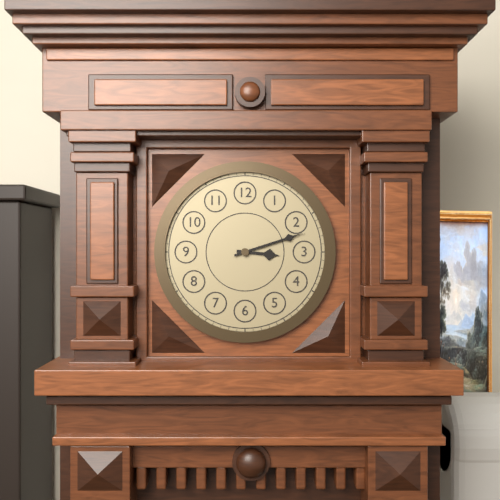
{"hour": 3, "minute": 12}
